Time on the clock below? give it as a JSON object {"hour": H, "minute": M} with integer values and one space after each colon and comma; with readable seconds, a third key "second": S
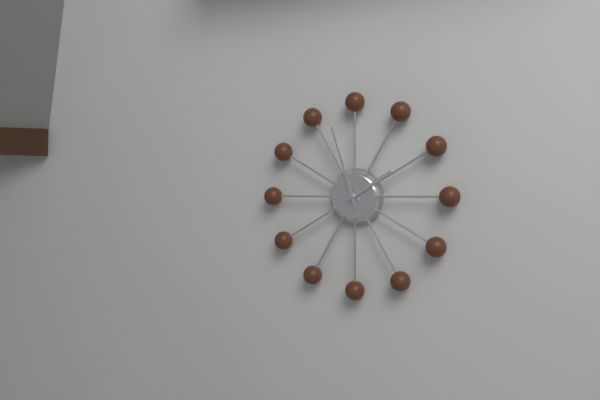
{"hour": 1, "minute": 57}
